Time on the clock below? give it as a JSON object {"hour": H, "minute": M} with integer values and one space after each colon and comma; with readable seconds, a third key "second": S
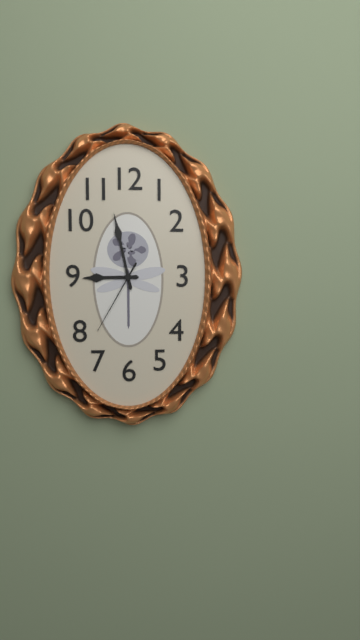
{"hour": 8, "minute": 58, "second": 35}
